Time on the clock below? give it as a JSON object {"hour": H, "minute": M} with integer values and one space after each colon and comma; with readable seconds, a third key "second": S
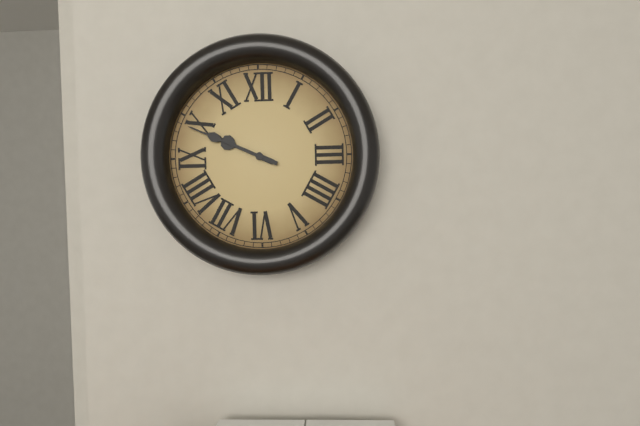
{"hour": 9, "minute": 49}
